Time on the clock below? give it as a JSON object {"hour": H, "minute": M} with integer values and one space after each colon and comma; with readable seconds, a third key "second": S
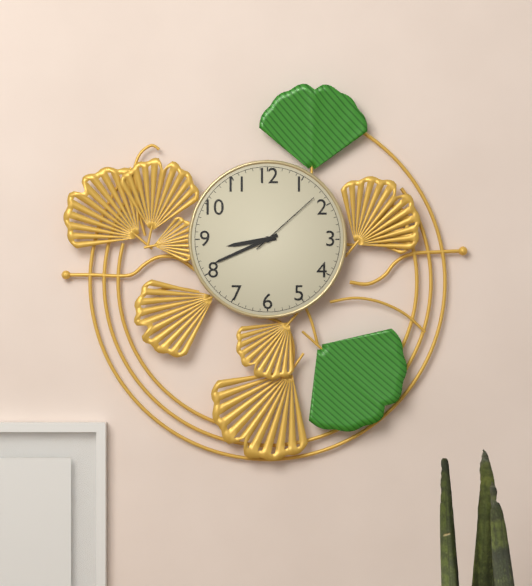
{"hour": 8, "minute": 41, "second": 8}
